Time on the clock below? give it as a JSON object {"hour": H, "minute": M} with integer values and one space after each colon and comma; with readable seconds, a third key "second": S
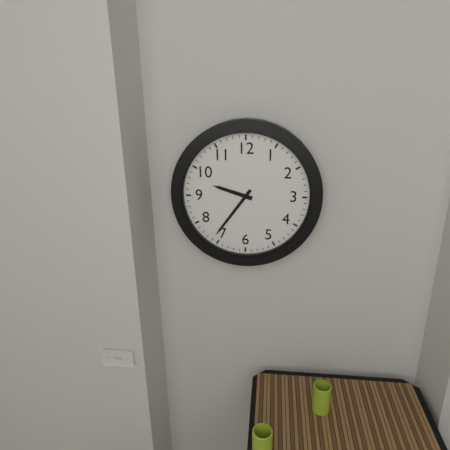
{"hour": 9, "minute": 36}
